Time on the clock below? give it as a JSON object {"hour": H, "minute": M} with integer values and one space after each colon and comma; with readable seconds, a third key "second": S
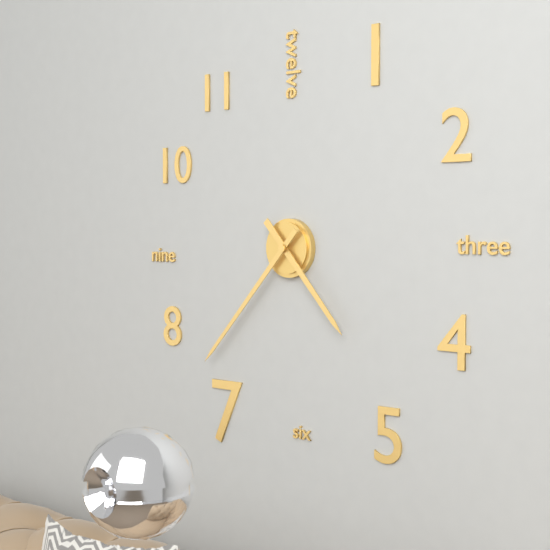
{"hour": 4, "minute": 37}
